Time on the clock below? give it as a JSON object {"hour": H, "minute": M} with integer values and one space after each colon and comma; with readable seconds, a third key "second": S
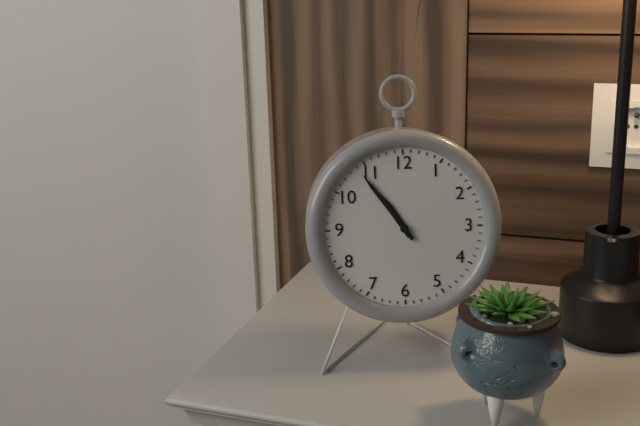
{"hour": 10, "minute": 54}
